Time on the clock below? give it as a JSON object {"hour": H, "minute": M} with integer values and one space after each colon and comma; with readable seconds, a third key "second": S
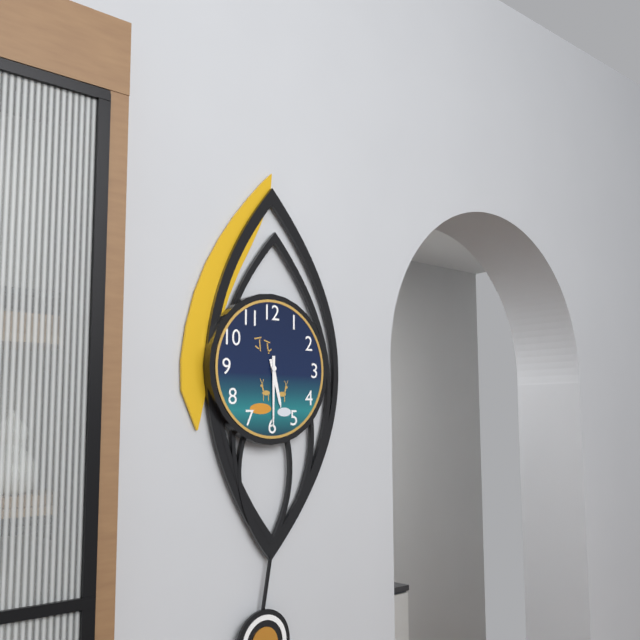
{"hour": 5, "minute": 30}
